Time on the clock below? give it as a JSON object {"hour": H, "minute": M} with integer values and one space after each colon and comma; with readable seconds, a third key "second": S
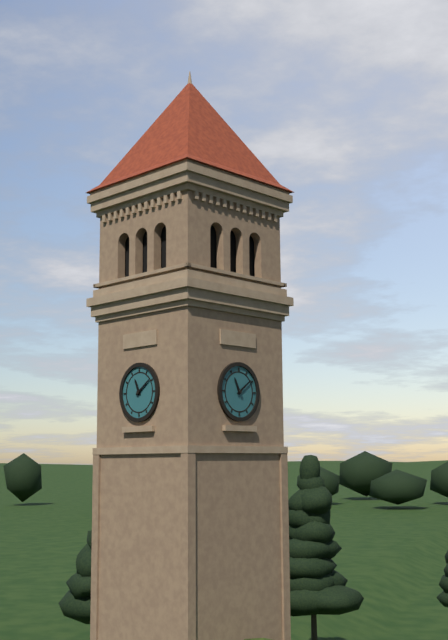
{"hour": 11, "minute": 9}
